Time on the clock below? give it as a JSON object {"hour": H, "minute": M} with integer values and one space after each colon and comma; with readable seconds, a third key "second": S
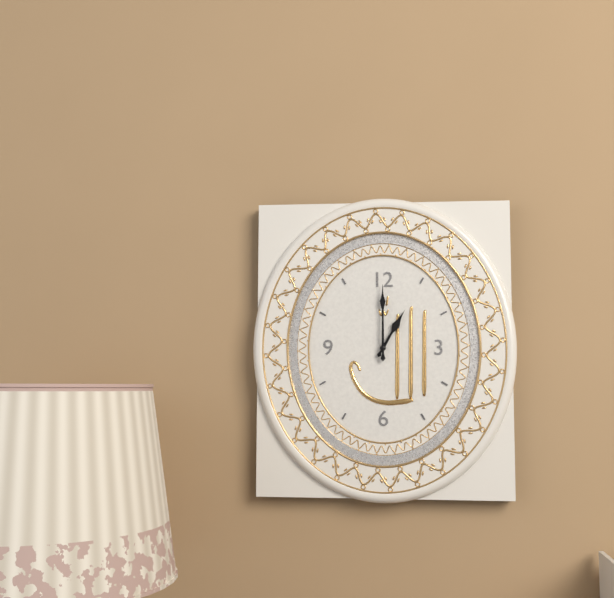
{"hour": 1, "minute": 0}
